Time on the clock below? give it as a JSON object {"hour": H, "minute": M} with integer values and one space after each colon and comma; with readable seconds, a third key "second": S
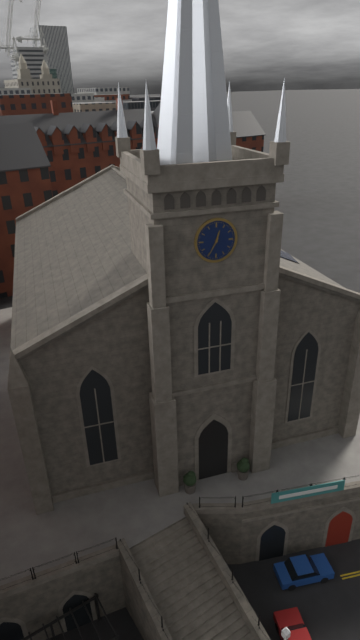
{"hour": 12, "minute": 35}
